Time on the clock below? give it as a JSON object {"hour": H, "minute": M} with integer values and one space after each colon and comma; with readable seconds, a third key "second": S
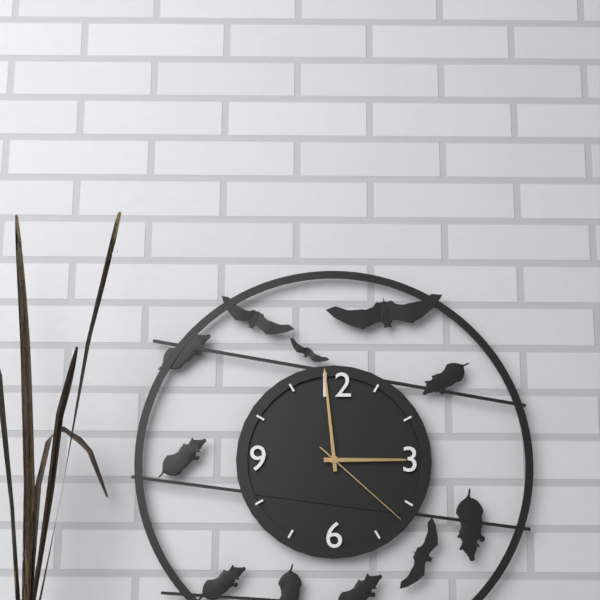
{"hour": 2, "minute": 59, "second": 22}
